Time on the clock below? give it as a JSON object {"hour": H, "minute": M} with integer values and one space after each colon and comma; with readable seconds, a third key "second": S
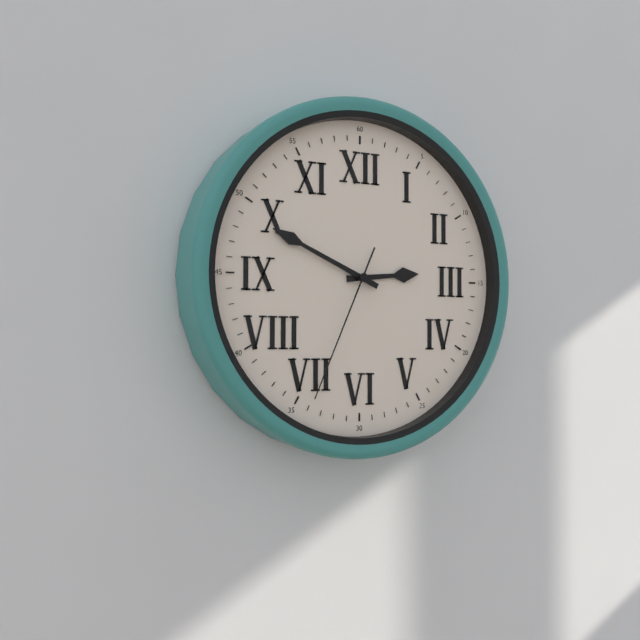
{"hour": 2, "minute": 49, "second": 34}
